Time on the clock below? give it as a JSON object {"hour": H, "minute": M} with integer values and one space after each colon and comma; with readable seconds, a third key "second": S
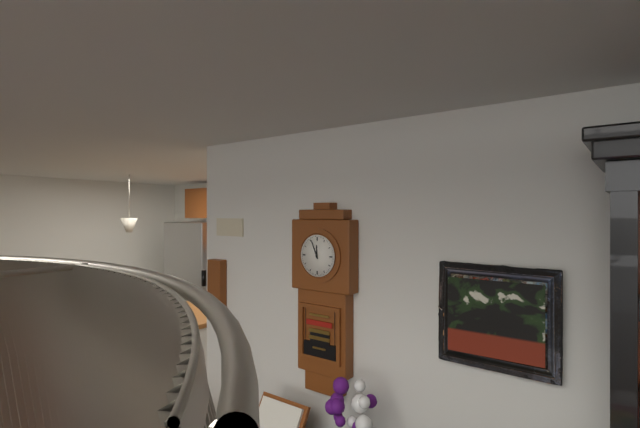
{"hour": 11, "minute": 56}
